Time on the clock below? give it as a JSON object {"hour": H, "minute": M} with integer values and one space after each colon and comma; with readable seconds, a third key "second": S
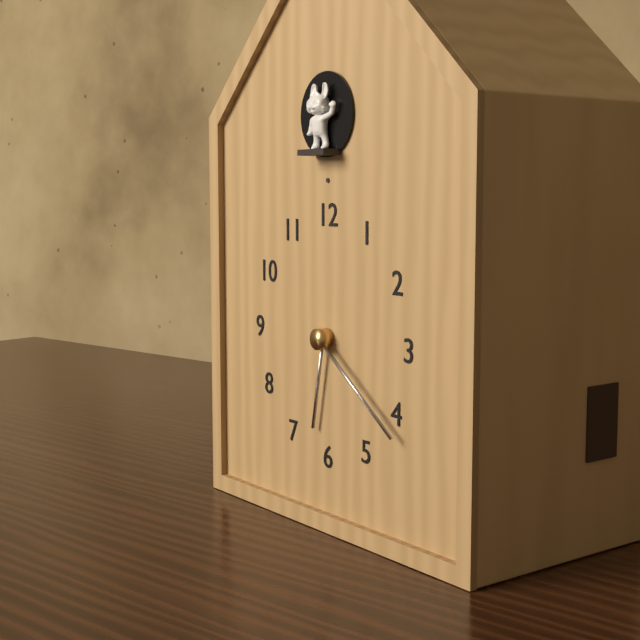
{"hour": 6, "minute": 21}
